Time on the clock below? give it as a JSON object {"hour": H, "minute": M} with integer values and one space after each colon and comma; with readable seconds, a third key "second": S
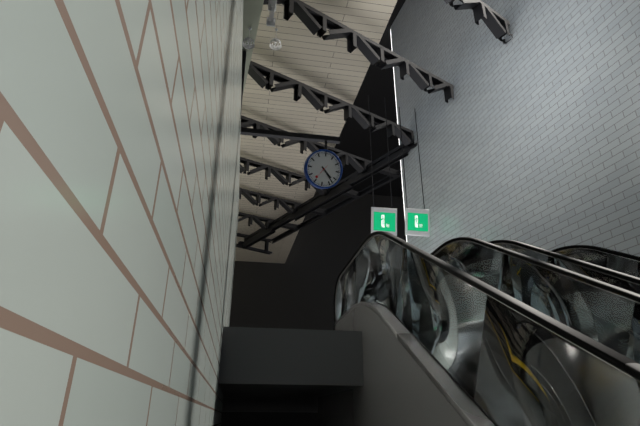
{"hour": 4, "minute": 23}
